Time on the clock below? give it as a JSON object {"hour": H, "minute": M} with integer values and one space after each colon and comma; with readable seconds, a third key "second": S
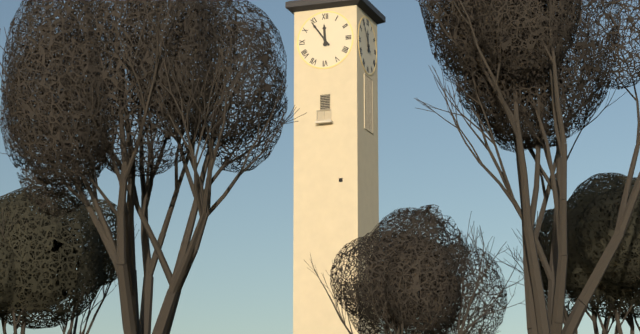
{"hour": 11, "minute": 54}
